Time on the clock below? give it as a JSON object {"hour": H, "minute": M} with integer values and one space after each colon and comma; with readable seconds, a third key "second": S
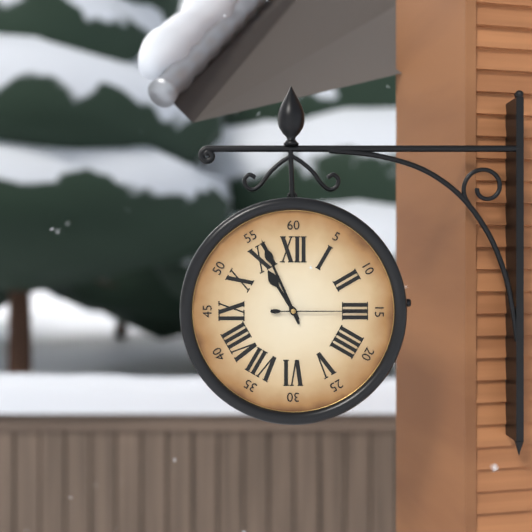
{"hour": 10, "minute": 56, "second": 15}
